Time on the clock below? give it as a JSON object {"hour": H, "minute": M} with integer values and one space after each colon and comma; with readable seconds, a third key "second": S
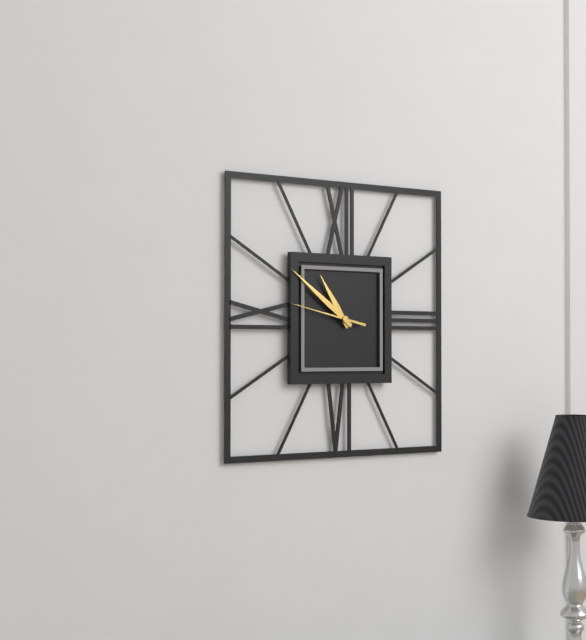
{"hour": 10, "minute": 51, "second": 47}
